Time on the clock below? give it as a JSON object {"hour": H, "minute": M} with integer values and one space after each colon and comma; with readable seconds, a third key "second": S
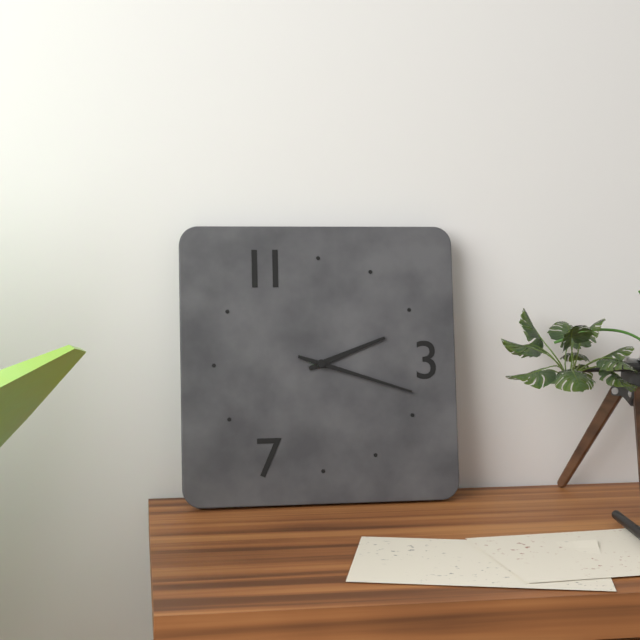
{"hour": 2, "minute": 18}
